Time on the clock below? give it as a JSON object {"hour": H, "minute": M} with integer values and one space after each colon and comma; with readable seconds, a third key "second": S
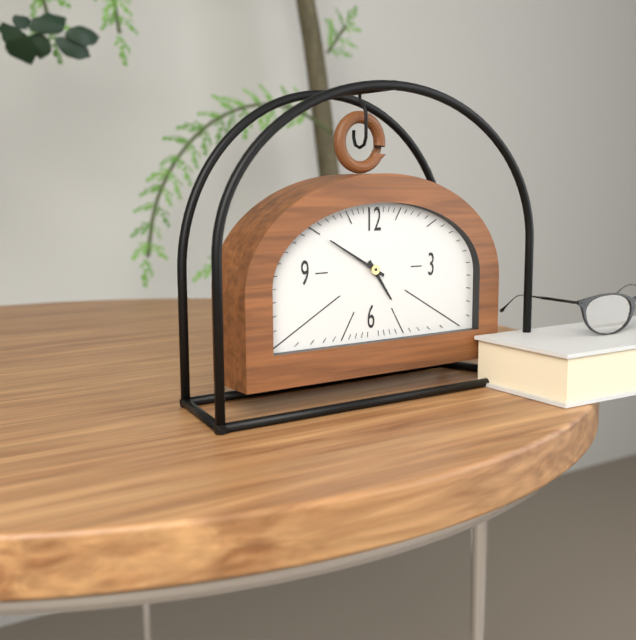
{"hour": 4, "minute": 50}
